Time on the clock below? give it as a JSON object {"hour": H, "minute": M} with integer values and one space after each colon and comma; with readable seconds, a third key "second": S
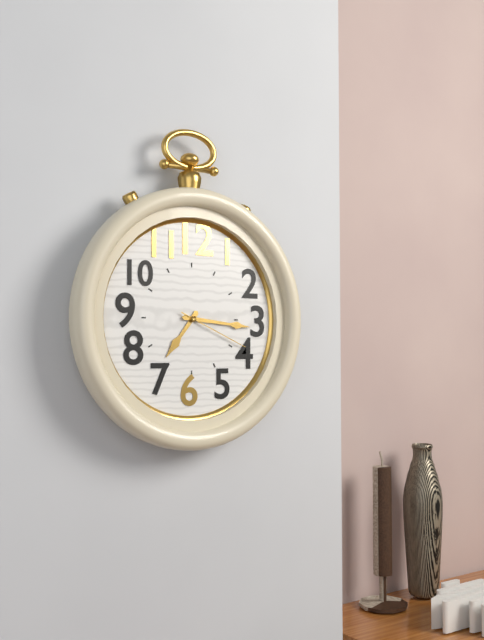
{"hour": 7, "minute": 16, "second": 19}
